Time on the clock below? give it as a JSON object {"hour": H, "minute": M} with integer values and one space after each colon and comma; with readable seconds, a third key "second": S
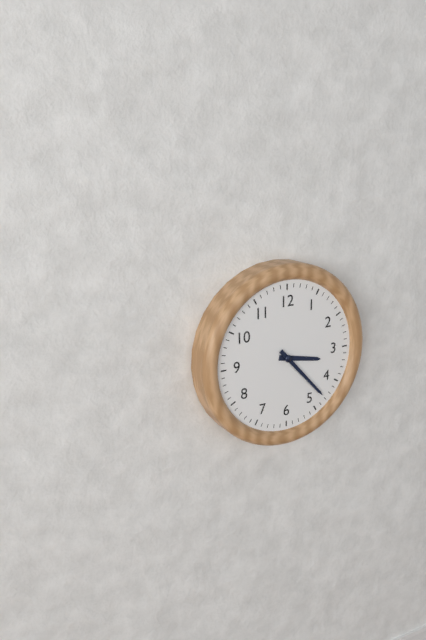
{"hour": 3, "minute": 23}
